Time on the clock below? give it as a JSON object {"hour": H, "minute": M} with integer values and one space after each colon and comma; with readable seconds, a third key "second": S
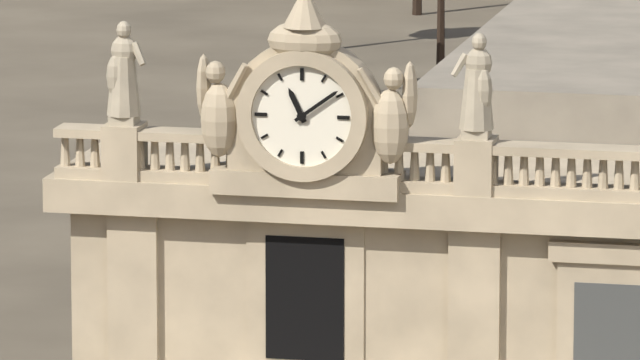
{"hour": 11, "minute": 9}
